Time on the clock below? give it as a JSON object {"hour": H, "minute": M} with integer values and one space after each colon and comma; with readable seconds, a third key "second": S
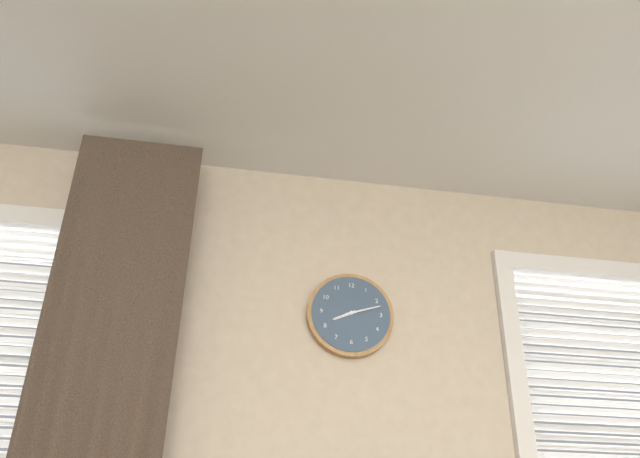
{"hour": 8, "minute": 12}
